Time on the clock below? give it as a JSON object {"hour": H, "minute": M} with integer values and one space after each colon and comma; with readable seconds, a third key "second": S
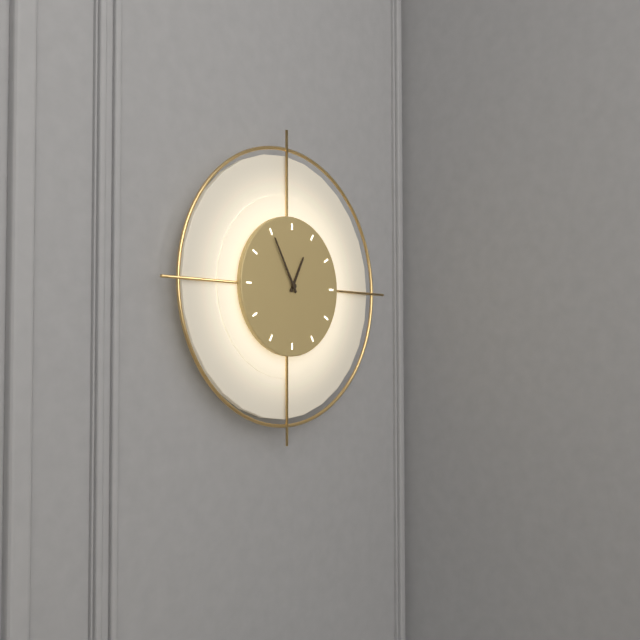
{"hour": 12, "minute": 55}
